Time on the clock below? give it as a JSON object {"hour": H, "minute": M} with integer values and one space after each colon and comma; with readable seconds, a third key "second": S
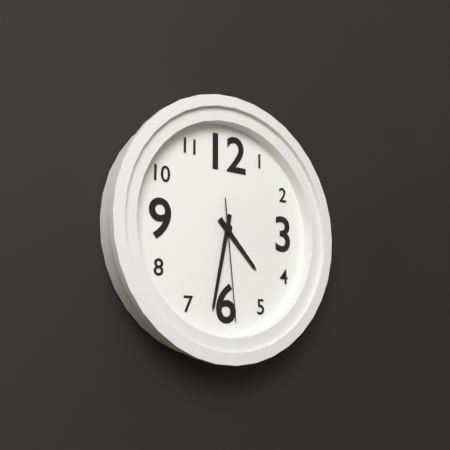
{"hour": 4, "minute": 32, "second": 29}
